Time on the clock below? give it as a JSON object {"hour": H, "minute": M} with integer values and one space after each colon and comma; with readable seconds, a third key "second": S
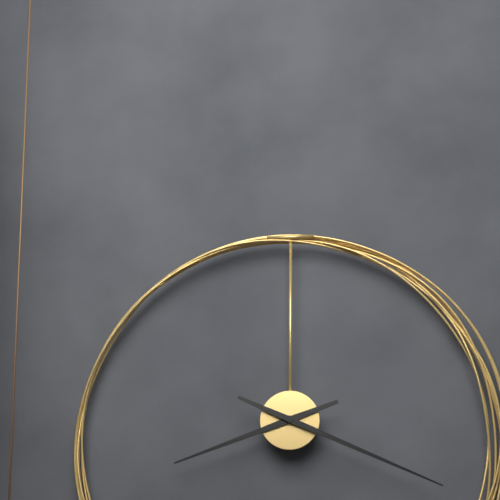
{"hour": 8, "minute": 19}
